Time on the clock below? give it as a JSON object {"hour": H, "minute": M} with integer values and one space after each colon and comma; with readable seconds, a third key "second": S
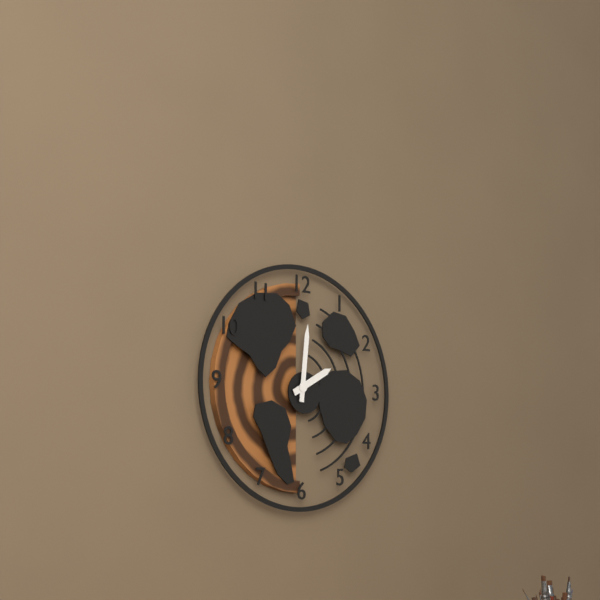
{"hour": 2, "minute": 1}
